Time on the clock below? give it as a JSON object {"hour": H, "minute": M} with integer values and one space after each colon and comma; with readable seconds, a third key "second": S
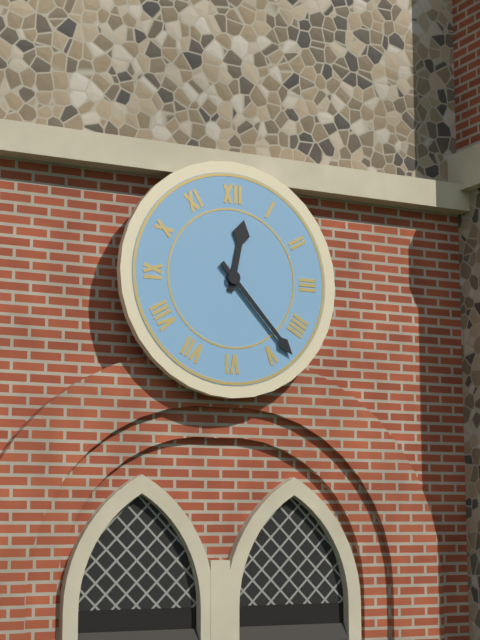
{"hour": 12, "minute": 23}
